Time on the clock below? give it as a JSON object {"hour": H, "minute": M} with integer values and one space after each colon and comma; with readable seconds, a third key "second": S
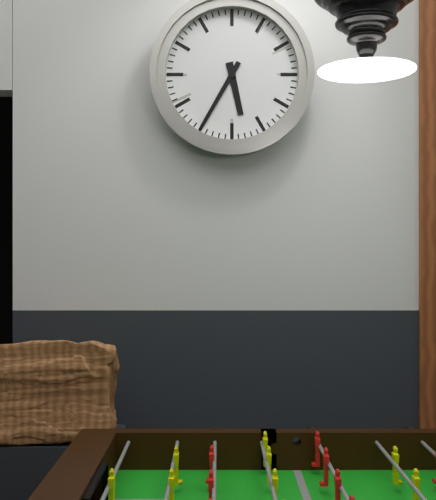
{"hour": 5, "minute": 35}
